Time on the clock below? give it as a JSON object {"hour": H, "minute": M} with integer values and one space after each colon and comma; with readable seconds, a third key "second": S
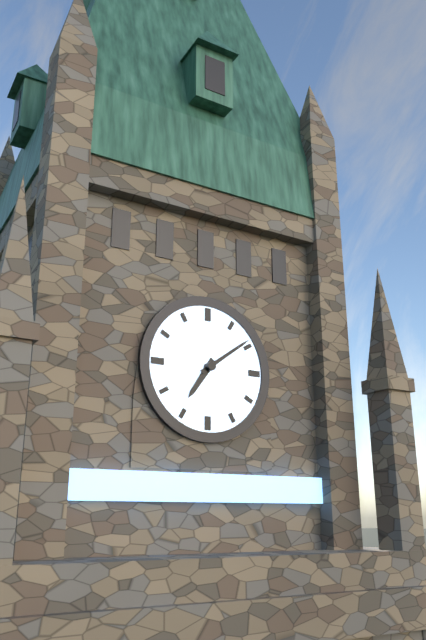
{"hour": 7, "minute": 9}
